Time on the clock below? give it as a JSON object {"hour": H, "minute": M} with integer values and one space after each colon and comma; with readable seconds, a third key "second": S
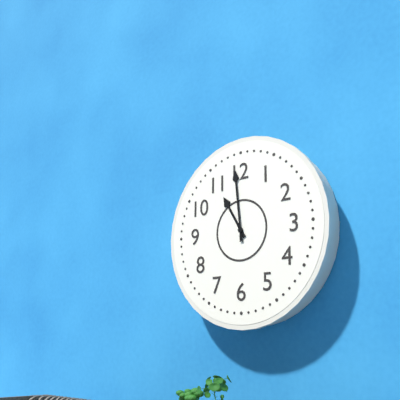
{"hour": 10, "minute": 59}
